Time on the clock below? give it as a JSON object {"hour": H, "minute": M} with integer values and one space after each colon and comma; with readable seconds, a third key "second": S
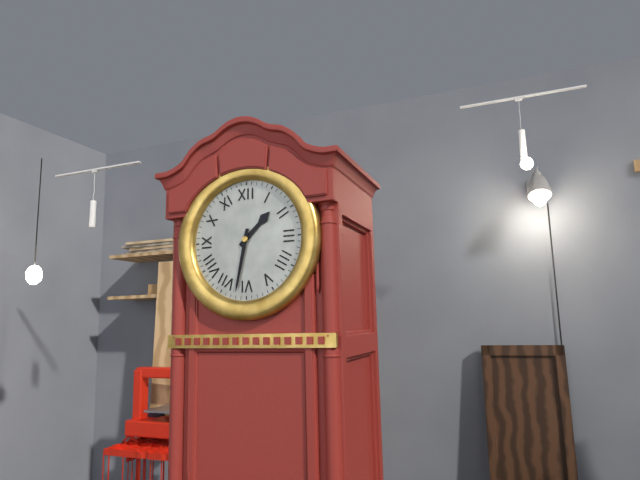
{"hour": 1, "minute": 32}
